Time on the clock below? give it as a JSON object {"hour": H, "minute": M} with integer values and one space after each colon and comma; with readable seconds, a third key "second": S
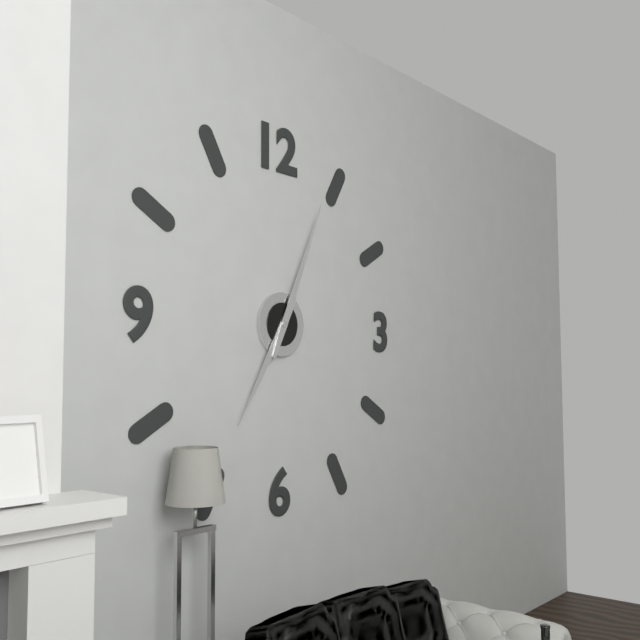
{"hour": 7, "minute": 4}
